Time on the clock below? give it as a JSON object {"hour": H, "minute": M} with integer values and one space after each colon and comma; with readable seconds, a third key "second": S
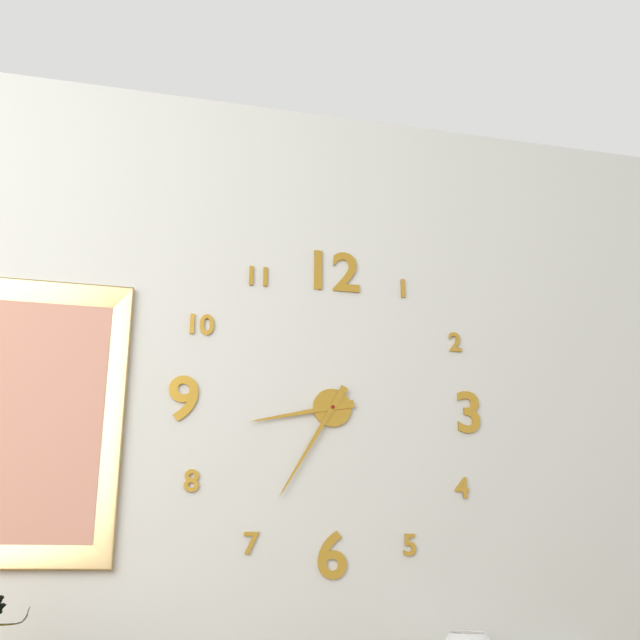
{"hour": 8, "minute": 35}
